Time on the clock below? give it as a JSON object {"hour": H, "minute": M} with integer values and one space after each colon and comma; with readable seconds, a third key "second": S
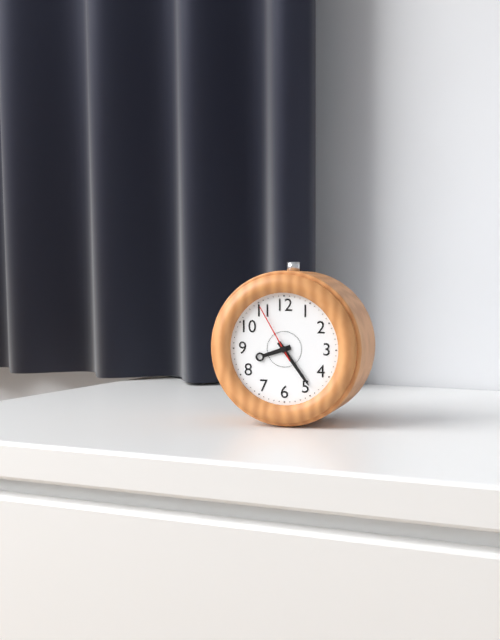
{"hour": 8, "minute": 24, "second": 55}
